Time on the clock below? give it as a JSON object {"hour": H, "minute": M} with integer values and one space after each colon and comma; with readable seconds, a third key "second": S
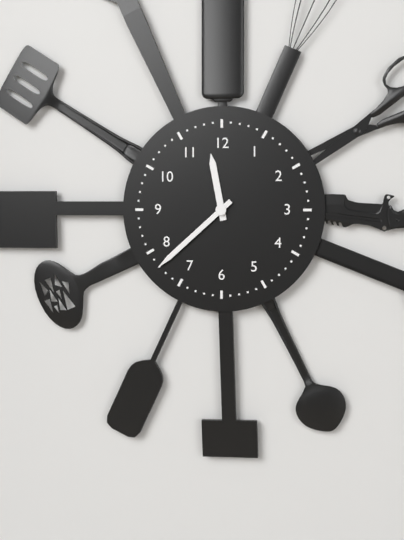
{"hour": 11, "minute": 38}
